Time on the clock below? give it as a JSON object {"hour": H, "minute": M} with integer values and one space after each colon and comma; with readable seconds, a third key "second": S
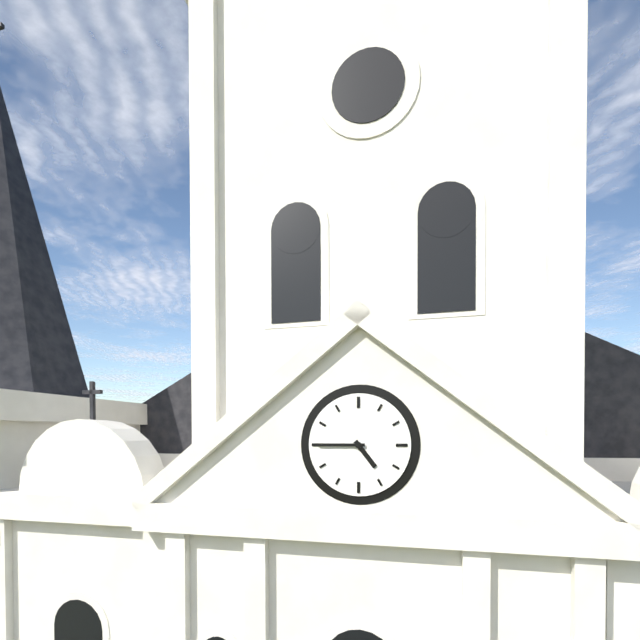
{"hour": 4, "minute": 45}
